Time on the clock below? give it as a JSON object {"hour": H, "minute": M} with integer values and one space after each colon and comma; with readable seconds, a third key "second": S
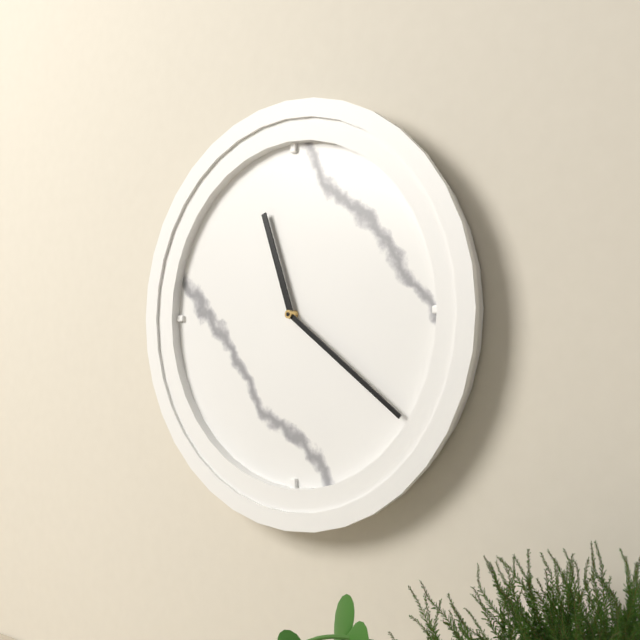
{"hour": 11, "minute": 21}
